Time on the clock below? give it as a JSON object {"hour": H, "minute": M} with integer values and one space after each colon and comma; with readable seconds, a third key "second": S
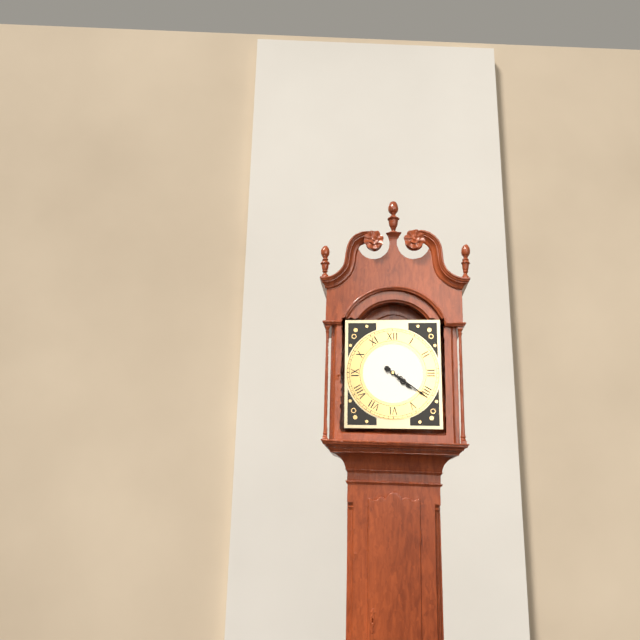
{"hour": 4, "minute": 21}
